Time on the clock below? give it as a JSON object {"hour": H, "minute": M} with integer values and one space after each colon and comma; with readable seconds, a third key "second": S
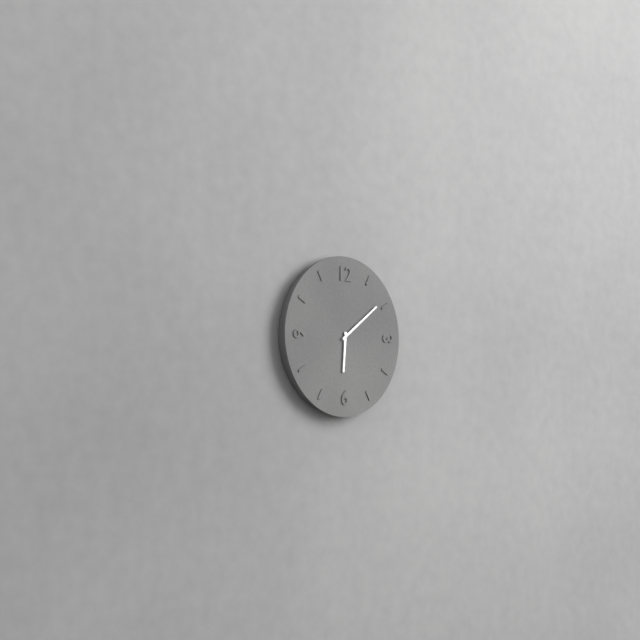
{"hour": 6, "minute": 9}
